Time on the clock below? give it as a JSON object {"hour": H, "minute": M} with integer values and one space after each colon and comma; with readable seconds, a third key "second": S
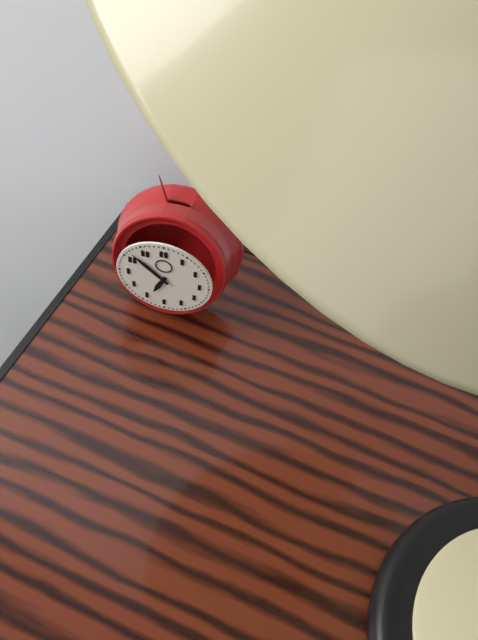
{"hour": 6, "minute": 52}
